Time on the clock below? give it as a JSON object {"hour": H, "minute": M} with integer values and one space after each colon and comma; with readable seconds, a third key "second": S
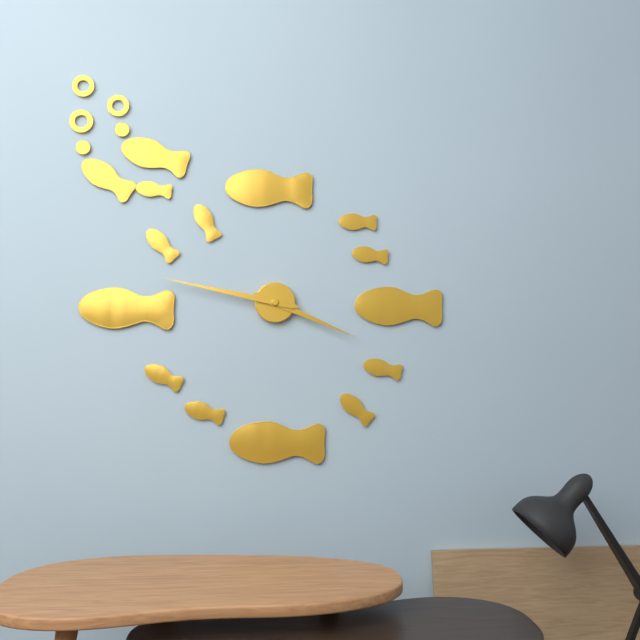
{"hour": 3, "minute": 47}
